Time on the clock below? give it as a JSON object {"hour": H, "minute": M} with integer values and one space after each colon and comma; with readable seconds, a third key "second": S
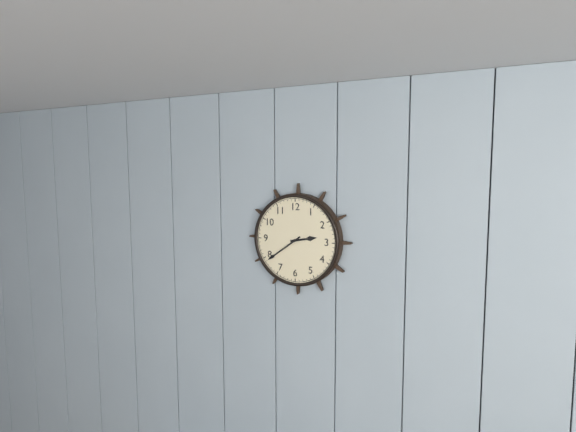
{"hour": 2, "minute": 39}
